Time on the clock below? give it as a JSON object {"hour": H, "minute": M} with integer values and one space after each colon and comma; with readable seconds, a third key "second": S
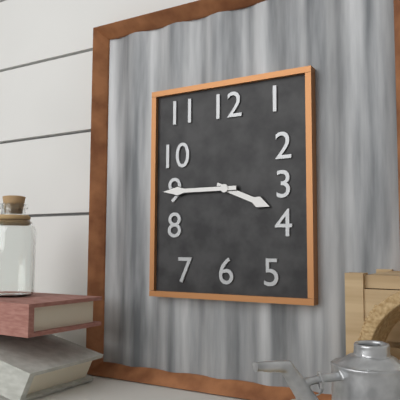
{"hour": 3, "minute": 45}
